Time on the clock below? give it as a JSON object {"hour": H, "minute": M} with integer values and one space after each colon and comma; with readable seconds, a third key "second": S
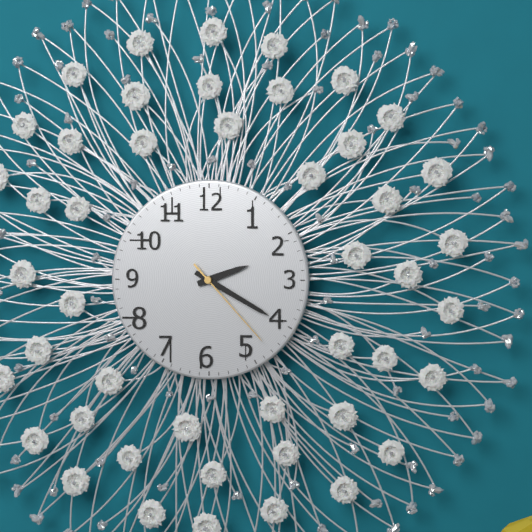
{"hour": 2, "minute": 20, "second": 23}
